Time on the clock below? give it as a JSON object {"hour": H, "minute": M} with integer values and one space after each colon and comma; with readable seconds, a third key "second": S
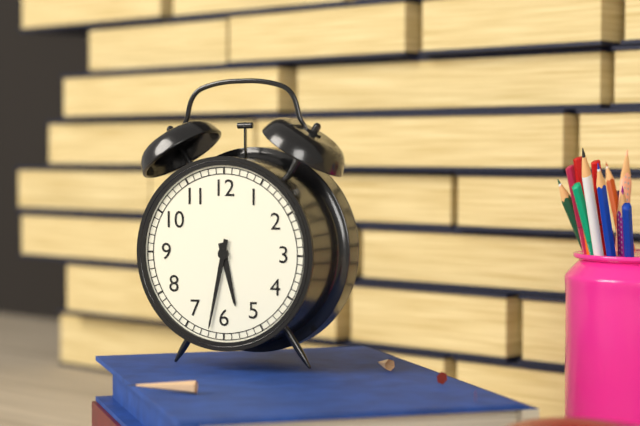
{"hour": 5, "minute": 32}
